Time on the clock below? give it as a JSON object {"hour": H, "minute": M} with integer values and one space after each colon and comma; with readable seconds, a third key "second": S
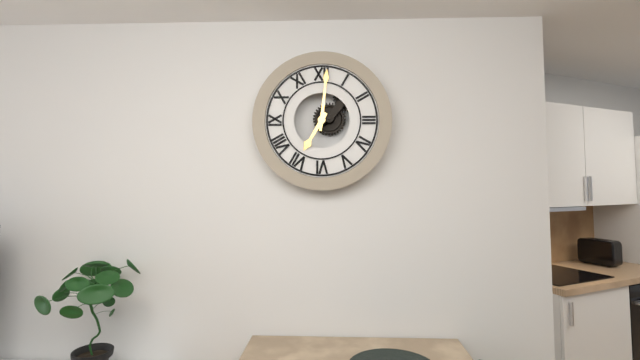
{"hour": 7, "minute": 1}
